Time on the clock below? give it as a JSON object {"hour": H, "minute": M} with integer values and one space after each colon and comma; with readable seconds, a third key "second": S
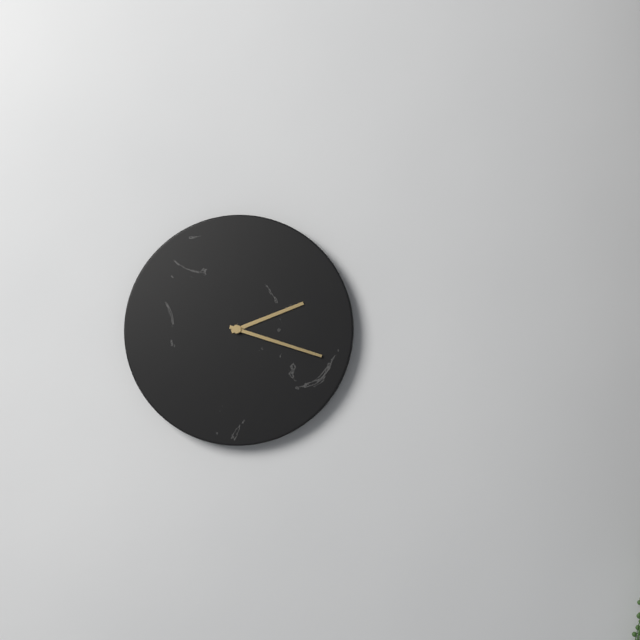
{"hour": 2, "minute": 18}
